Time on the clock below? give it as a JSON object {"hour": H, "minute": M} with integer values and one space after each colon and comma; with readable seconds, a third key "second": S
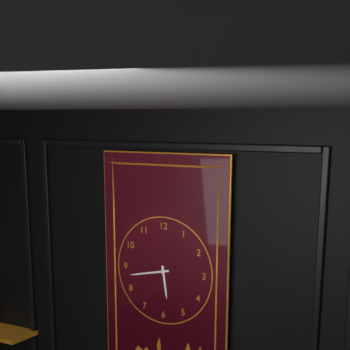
{"hour": 5, "minute": 43}
